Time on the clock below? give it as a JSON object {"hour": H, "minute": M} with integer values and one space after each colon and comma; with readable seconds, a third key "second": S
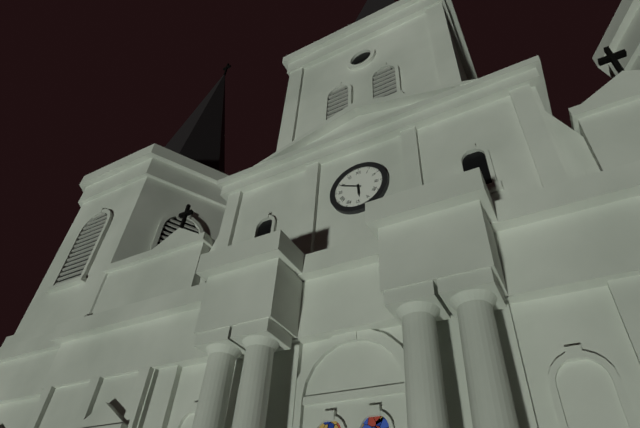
{"hour": 5, "minute": 49}
